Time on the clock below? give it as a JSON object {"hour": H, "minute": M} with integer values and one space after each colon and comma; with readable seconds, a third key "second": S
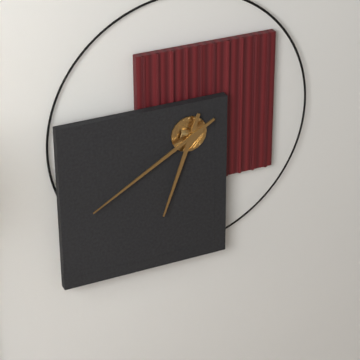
{"hour": 6, "minute": 40}
